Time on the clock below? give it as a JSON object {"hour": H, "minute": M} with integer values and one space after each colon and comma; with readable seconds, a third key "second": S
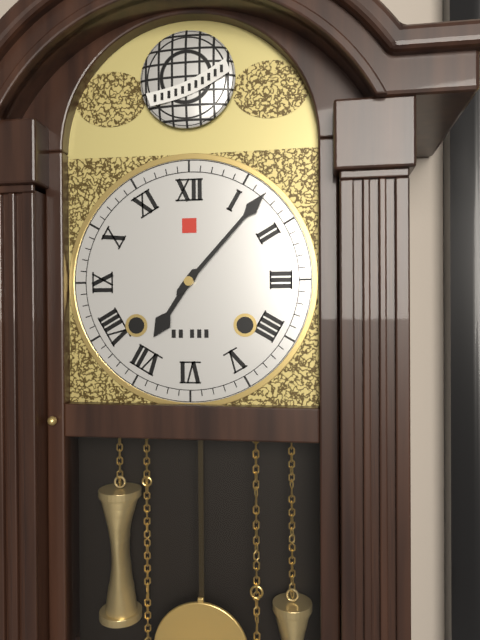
{"hour": 7, "minute": 7}
